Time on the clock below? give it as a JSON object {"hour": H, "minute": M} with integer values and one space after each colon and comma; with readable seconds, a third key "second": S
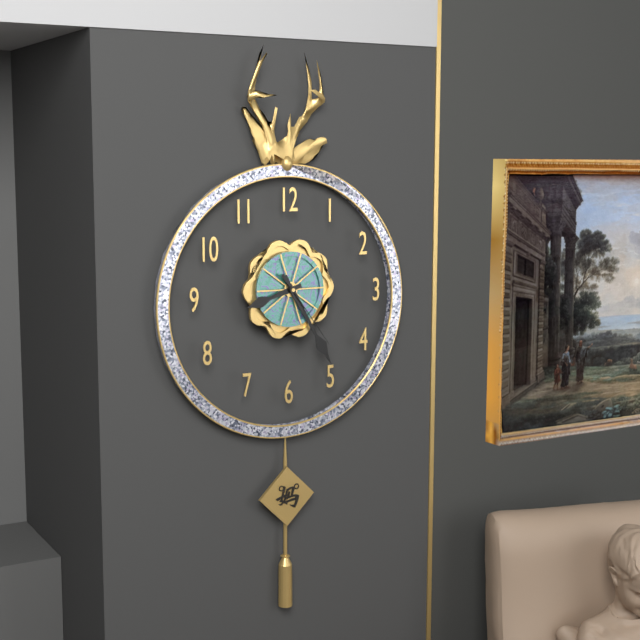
{"hour": 8, "minute": 25, "second": 24}
